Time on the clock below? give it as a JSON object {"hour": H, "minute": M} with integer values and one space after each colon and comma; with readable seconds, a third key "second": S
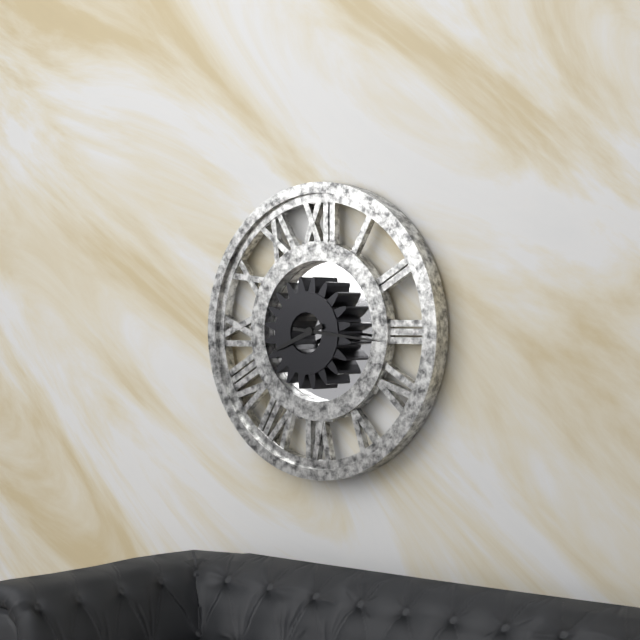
{"hour": 8, "minute": 16}
